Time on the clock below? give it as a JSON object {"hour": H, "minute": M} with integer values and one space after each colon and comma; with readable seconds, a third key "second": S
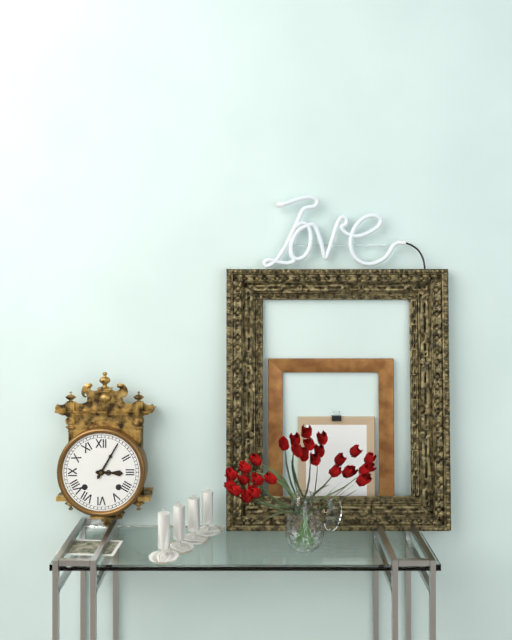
{"hour": 3, "minute": 5}
